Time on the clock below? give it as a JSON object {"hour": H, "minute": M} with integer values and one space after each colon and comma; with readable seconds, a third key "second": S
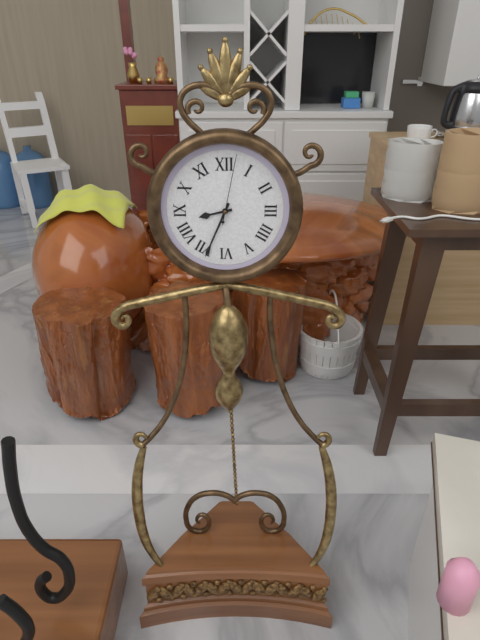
{"hour": 8, "minute": 34, "second": 2}
